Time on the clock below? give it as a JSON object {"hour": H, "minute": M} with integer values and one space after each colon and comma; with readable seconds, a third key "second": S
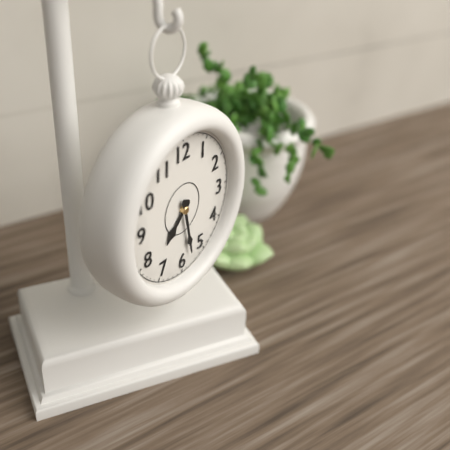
{"hour": 7, "minute": 28}
